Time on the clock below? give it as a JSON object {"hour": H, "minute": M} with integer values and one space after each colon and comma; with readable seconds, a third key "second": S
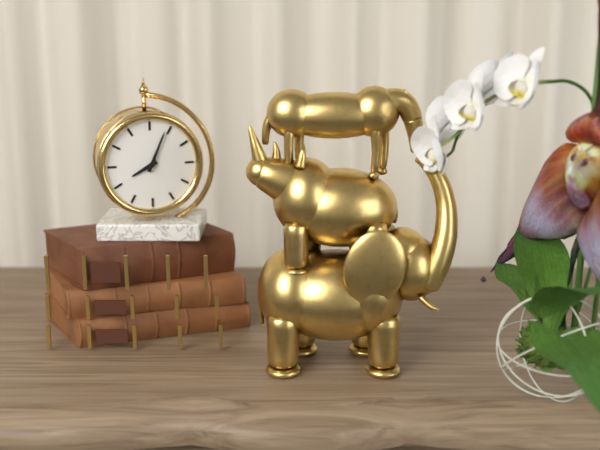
{"hour": 8, "minute": 4}
